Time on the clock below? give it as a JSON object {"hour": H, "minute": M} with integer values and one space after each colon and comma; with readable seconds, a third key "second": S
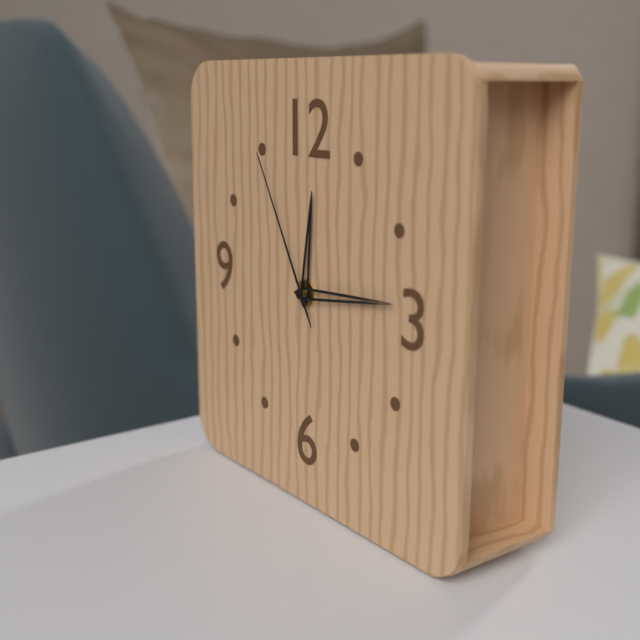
{"hour": 12, "minute": 14, "second": 55}
